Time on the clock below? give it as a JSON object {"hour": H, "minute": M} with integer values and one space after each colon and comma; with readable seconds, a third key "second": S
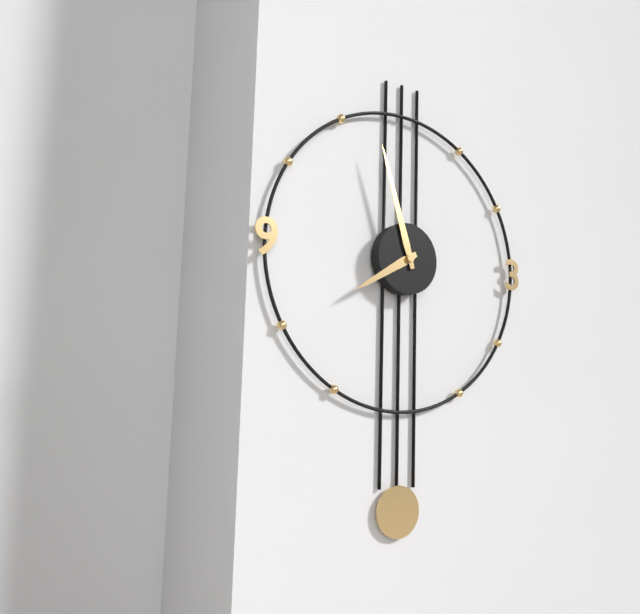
{"hour": 7, "minute": 57}
